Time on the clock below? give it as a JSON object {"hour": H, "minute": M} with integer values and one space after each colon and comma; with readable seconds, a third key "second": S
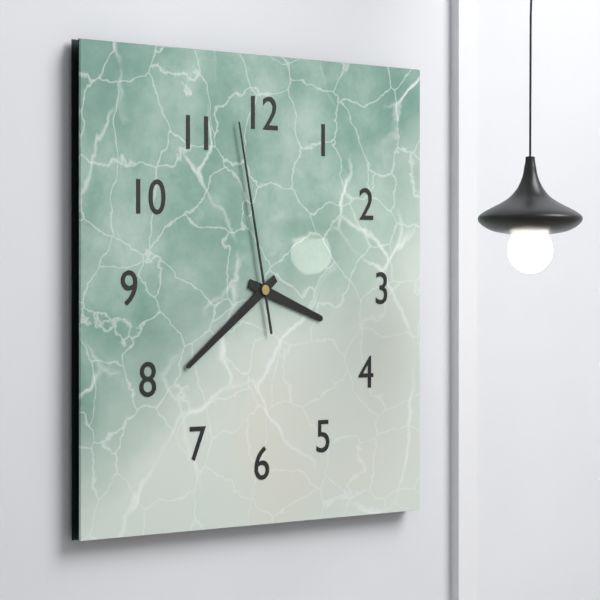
{"hour": 3, "minute": 39, "second": 58}
